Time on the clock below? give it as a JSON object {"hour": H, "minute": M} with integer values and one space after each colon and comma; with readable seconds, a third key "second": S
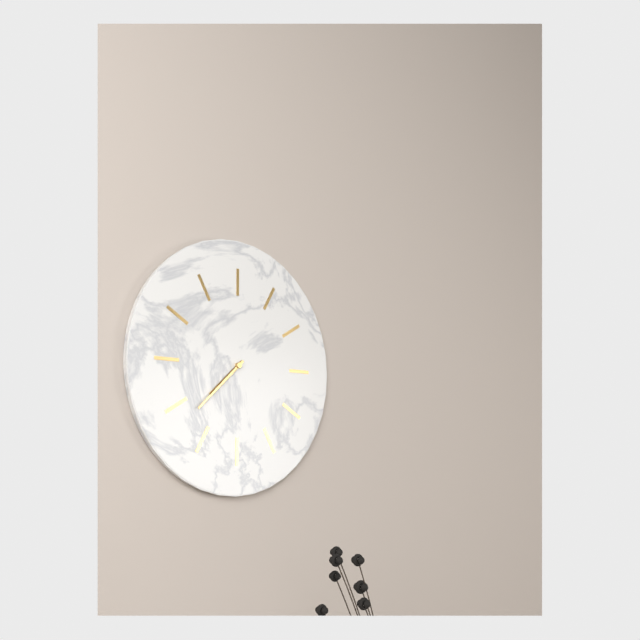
{"hour": 7, "minute": 38}
